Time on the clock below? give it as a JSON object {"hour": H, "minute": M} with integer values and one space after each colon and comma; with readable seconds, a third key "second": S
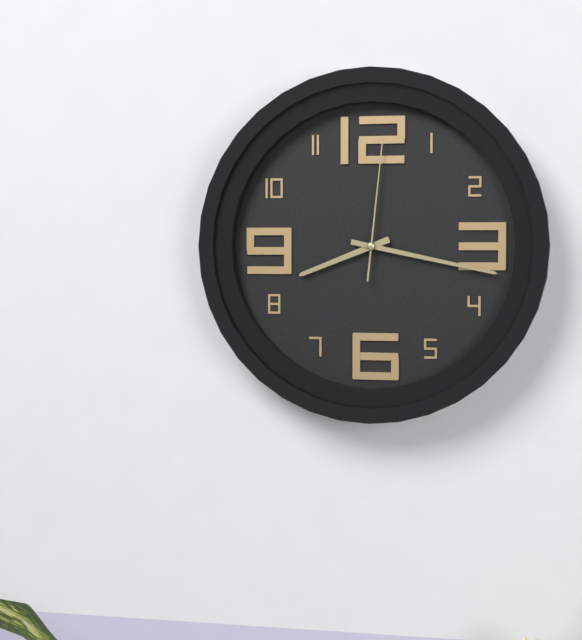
{"hour": 8, "minute": 17, "second": 1}
